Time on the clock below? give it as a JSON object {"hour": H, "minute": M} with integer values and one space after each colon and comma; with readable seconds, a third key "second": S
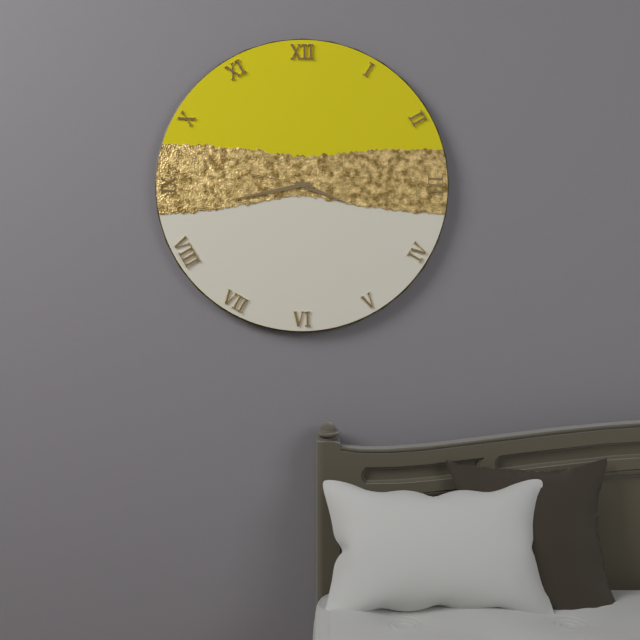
{"hour": 3, "minute": 43, "second": 47}
